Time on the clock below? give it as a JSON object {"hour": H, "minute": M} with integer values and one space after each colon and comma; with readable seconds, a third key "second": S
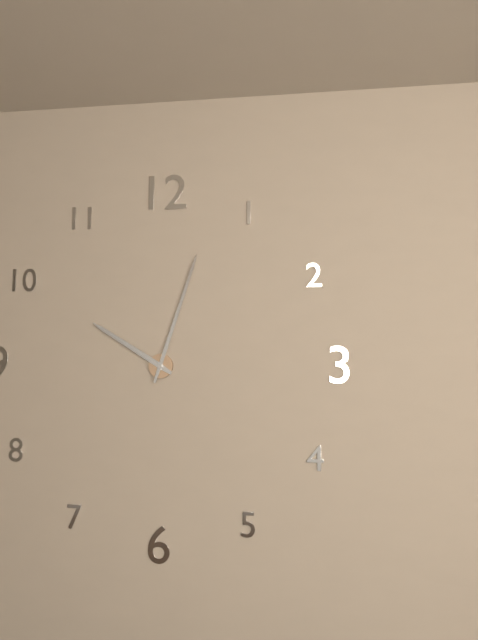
{"hour": 10, "minute": 3}
